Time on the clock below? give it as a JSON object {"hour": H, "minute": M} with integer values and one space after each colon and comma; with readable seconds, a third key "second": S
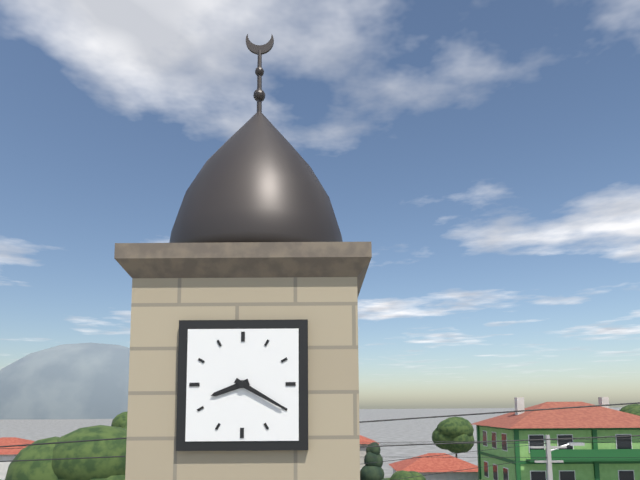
{"hour": 8, "minute": 20}
